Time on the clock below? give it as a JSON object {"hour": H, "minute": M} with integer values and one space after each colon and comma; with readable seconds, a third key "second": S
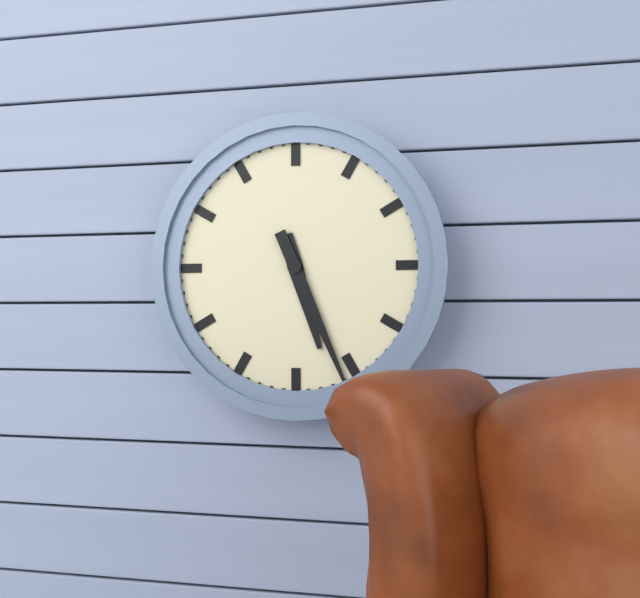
{"hour": 5, "minute": 26}
